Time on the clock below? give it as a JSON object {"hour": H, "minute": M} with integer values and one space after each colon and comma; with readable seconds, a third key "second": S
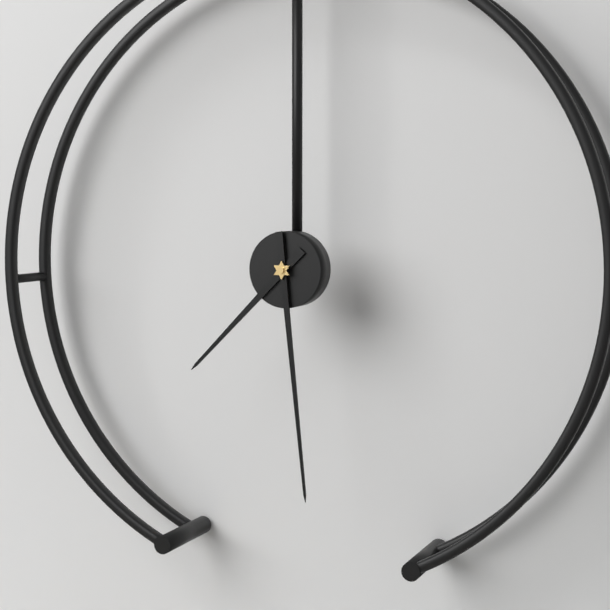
{"hour": 7, "minute": 29}
